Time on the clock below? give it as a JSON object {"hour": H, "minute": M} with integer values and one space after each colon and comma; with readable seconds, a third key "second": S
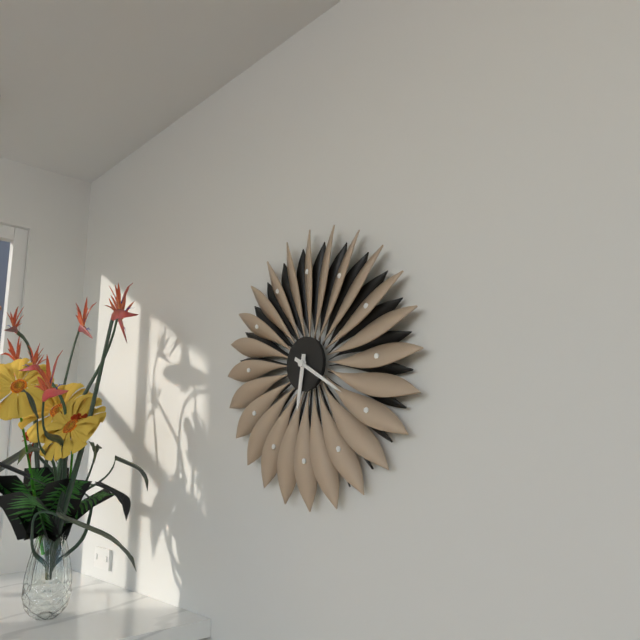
{"hour": 6, "minute": 20}
